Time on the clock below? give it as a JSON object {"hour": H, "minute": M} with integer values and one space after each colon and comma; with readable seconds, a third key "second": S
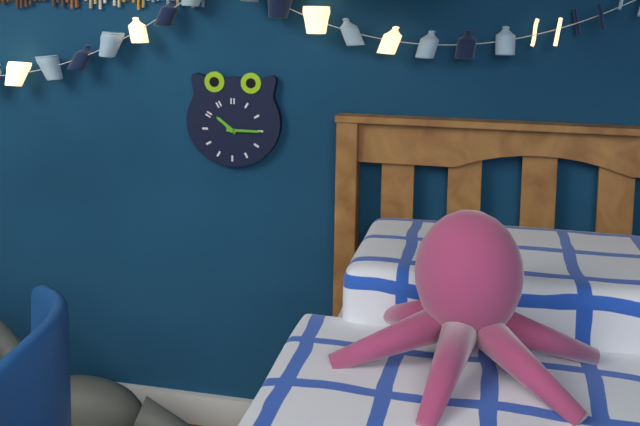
{"hour": 10, "minute": 15}
